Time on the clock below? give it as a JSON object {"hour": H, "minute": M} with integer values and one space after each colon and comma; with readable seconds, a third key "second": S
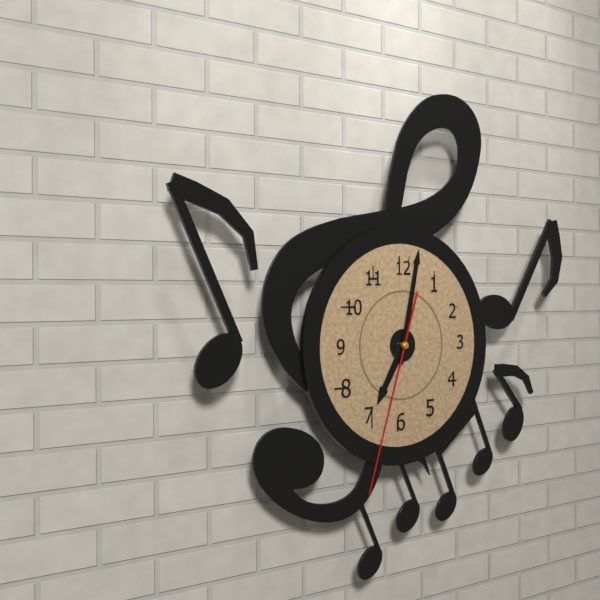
{"hour": 7, "minute": 2, "second": 33}
